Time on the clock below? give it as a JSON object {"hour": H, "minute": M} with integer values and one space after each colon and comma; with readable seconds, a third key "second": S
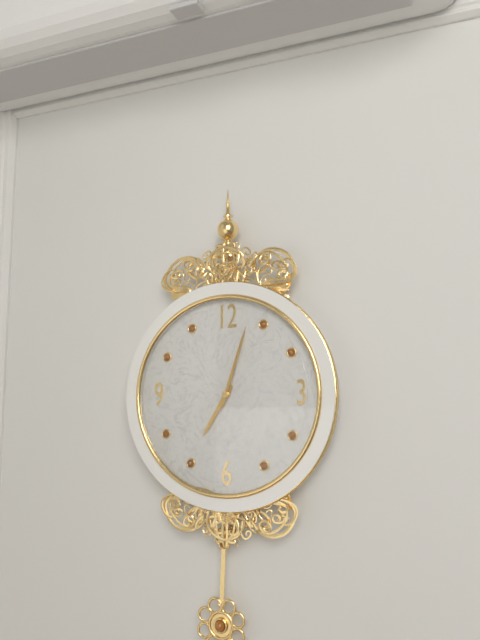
{"hour": 7, "minute": 3}
